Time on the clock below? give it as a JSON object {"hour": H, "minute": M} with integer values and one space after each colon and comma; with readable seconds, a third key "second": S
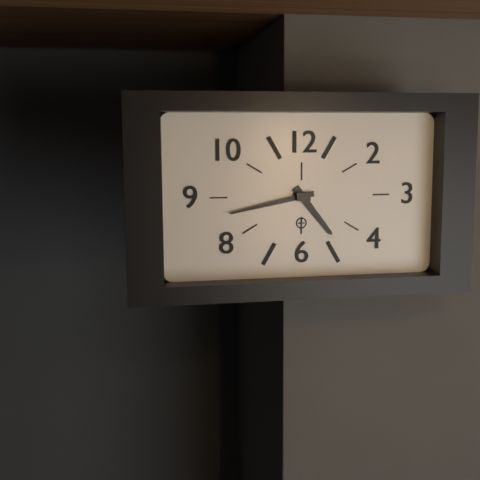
{"hour": 4, "minute": 43}
